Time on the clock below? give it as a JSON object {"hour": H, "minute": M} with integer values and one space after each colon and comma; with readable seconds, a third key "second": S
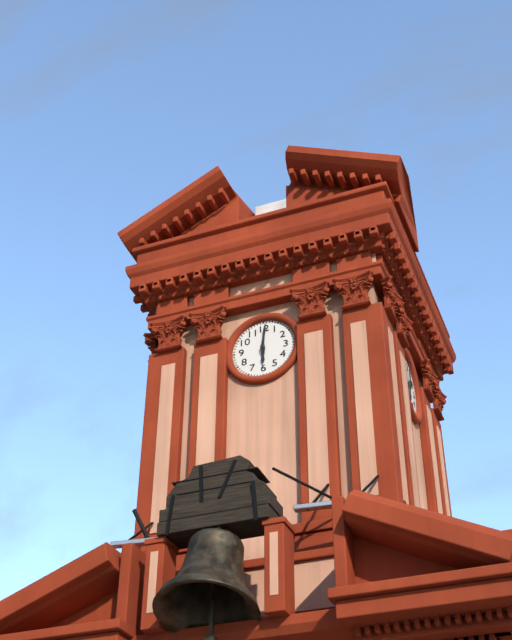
{"hour": 6, "minute": 1}
